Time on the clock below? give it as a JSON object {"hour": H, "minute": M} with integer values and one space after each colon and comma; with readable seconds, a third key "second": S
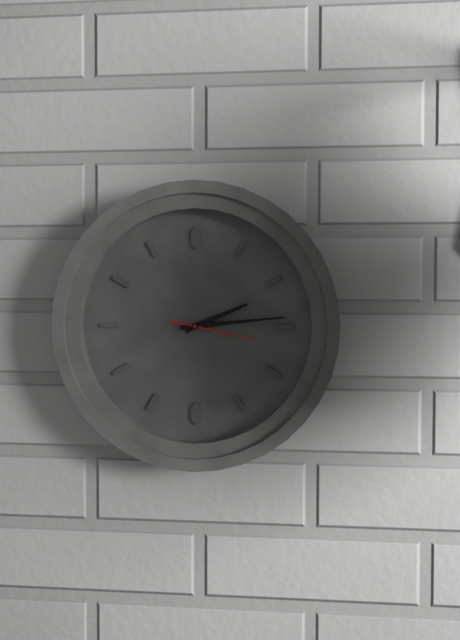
{"hour": 2, "minute": 14, "second": 17}
